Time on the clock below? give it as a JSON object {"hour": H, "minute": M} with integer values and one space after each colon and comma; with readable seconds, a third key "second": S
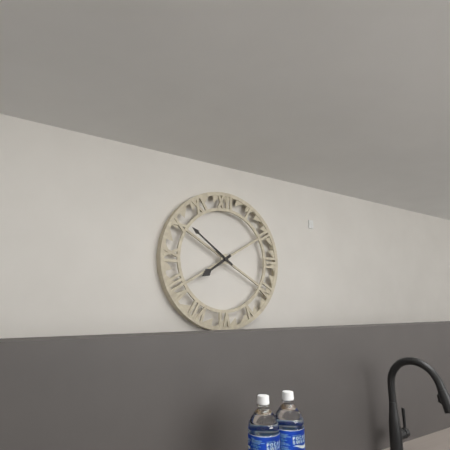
{"hour": 7, "minute": 51}
